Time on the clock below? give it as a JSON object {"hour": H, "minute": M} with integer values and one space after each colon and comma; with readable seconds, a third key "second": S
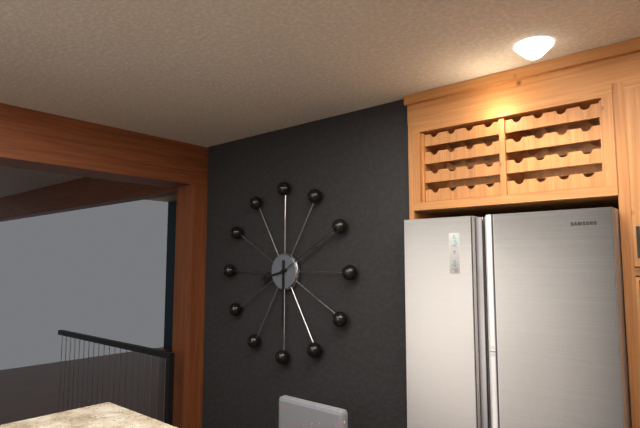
{"hour": 8, "minute": 30, "second": 10}
